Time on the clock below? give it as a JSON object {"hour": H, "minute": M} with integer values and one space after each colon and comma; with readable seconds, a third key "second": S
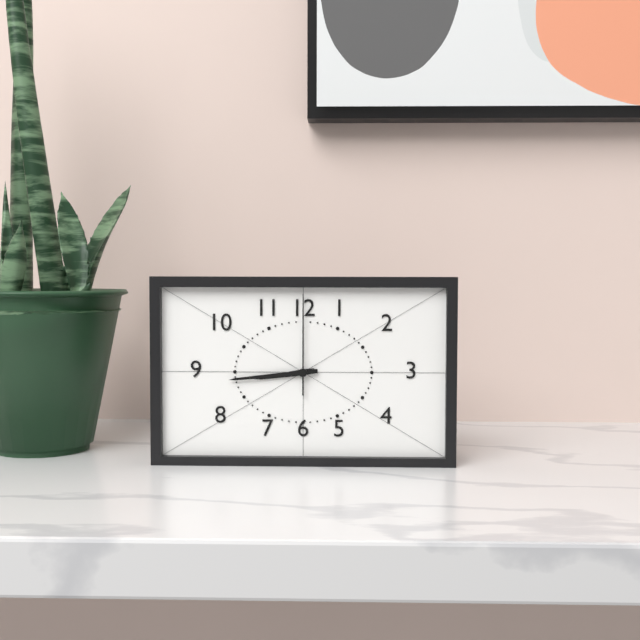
{"hour": 8, "minute": 44, "second": 0}
